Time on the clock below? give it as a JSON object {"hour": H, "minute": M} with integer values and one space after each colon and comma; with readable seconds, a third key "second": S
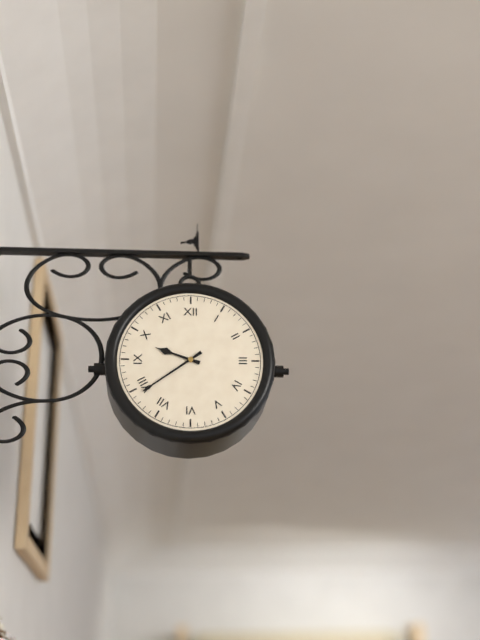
{"hour": 9, "minute": 39}
